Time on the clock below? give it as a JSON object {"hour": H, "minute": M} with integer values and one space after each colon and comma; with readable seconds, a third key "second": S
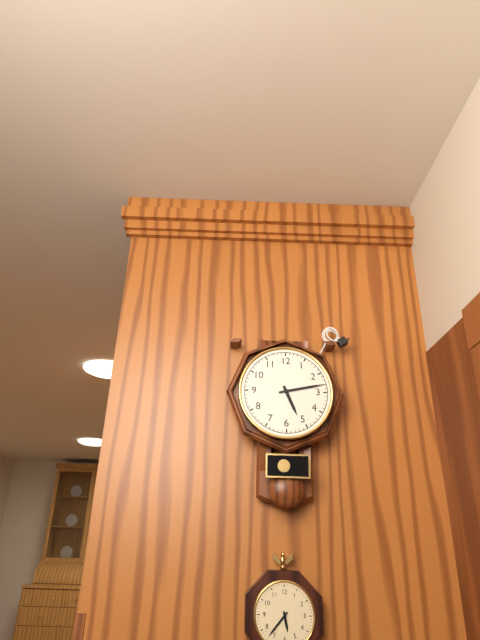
{"hour": 5, "minute": 13}
